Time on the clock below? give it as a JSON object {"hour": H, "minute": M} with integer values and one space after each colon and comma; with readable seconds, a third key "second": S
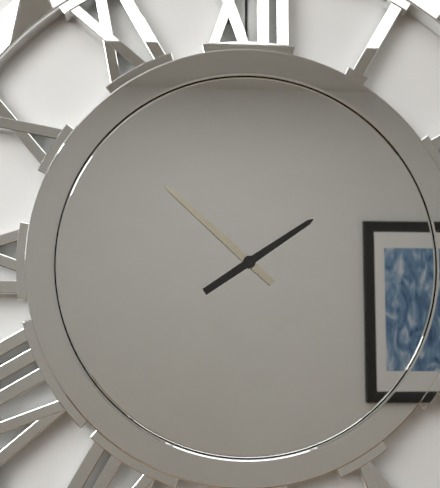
{"hour": 1, "minute": 52}
